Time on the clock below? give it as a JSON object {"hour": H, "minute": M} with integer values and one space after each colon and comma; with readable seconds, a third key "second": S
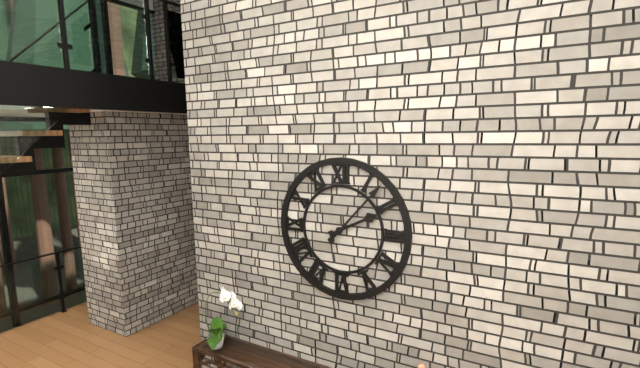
{"hour": 2, "minute": 7}
